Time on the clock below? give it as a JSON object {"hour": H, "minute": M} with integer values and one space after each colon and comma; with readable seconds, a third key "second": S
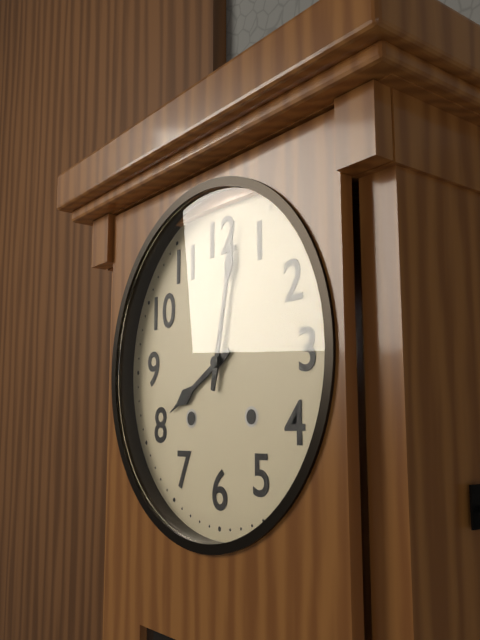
{"hour": 8, "minute": 2}
